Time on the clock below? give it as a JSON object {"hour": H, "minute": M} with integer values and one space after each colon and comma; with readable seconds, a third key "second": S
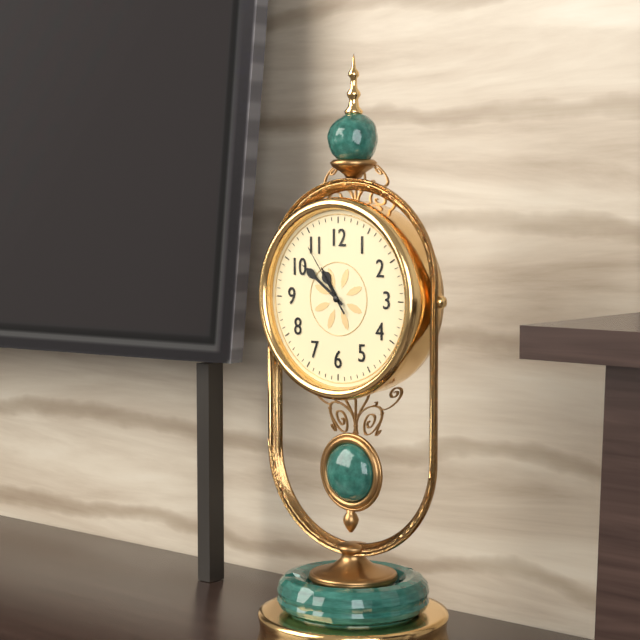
{"hour": 10, "minute": 51, "second": 54}
